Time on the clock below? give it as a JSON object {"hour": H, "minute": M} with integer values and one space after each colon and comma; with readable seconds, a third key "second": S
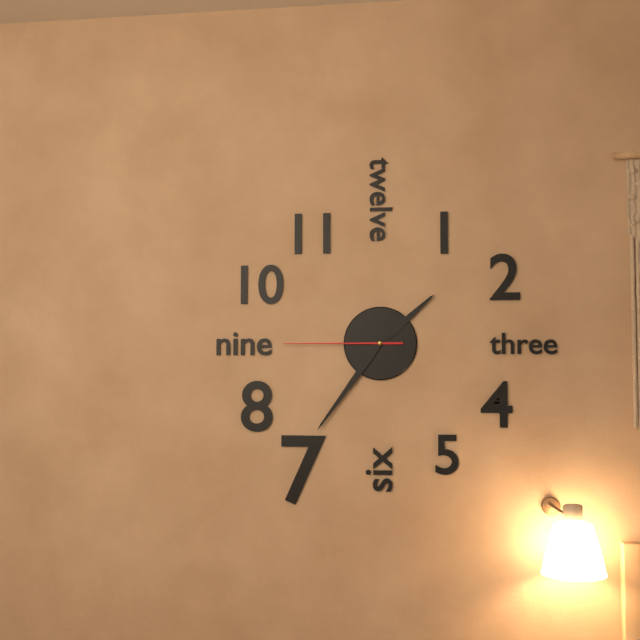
{"hour": 1, "minute": 36, "second": 45}
